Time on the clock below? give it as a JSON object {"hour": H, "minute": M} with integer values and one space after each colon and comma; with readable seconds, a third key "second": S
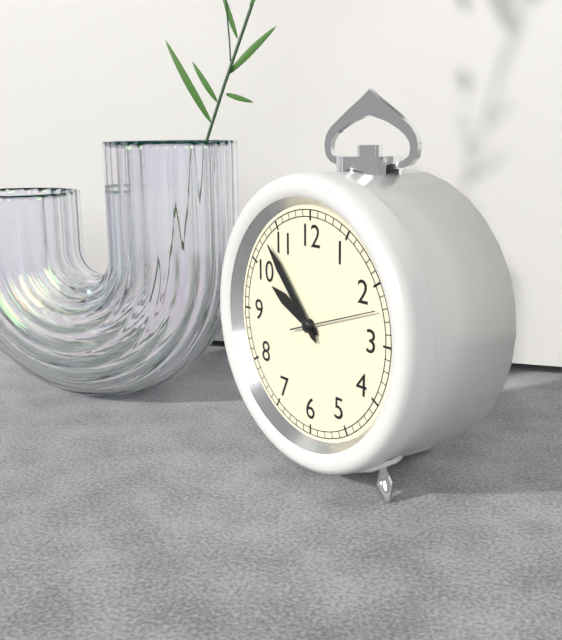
{"hour": 9, "minute": 53, "second": 12}
